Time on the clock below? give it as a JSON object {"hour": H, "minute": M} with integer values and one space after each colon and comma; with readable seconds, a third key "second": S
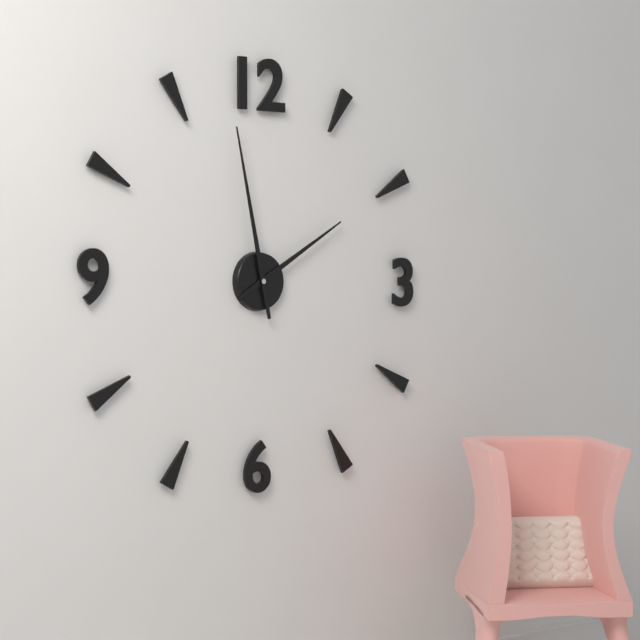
{"hour": 1, "minute": 58}
